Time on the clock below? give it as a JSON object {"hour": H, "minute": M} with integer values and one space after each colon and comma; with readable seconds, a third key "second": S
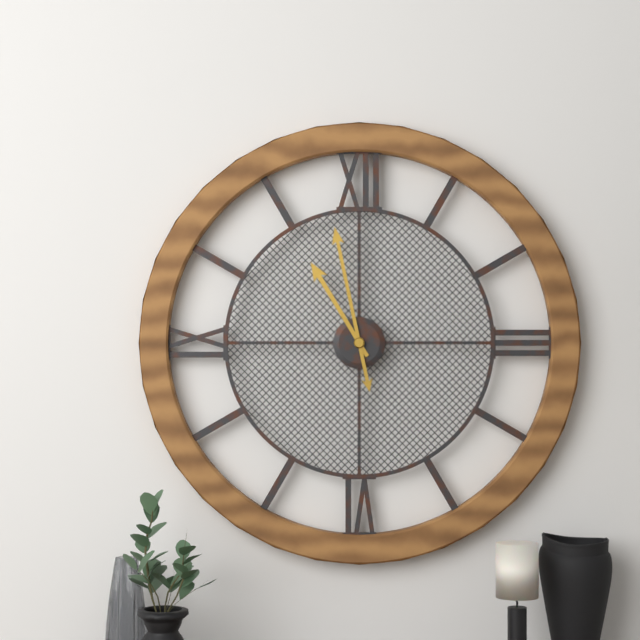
{"hour": 10, "minute": 58}
